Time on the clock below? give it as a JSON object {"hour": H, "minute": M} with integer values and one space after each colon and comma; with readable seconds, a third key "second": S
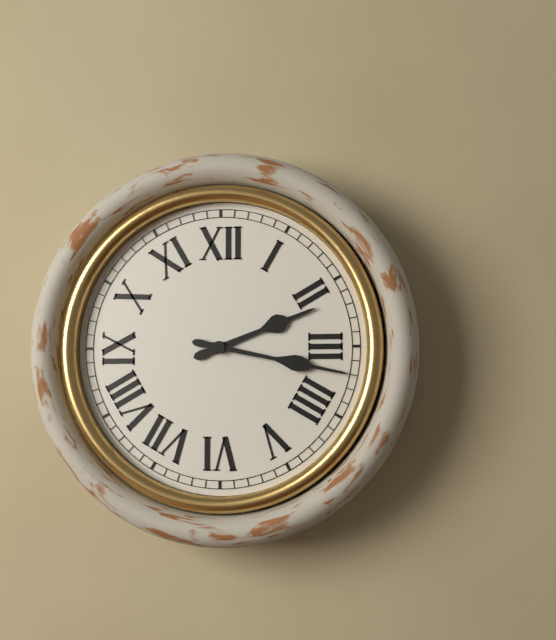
{"hour": 2, "minute": 17}
